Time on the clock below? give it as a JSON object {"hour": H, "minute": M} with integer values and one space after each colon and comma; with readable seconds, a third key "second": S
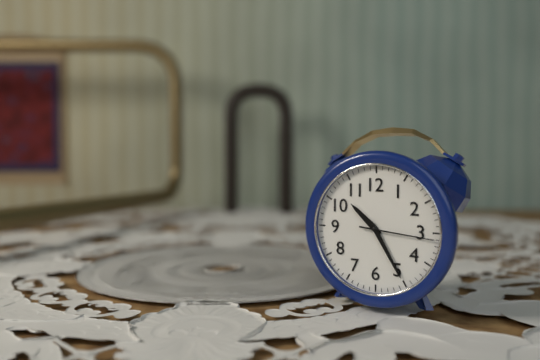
{"hour": 10, "minute": 25, "second": 16}
